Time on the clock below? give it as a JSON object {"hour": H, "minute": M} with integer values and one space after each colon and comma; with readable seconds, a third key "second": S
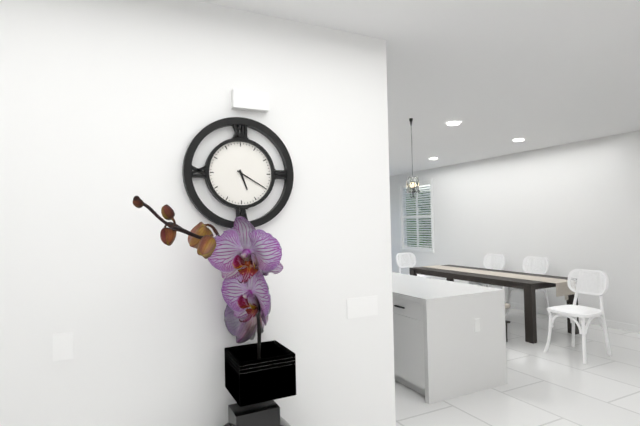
{"hour": 5, "minute": 20}
